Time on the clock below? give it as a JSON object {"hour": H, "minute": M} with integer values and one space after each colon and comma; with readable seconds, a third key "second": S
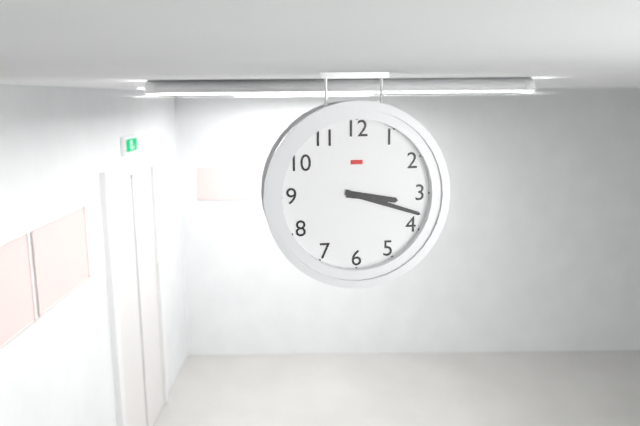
{"hour": 3, "minute": 18}
